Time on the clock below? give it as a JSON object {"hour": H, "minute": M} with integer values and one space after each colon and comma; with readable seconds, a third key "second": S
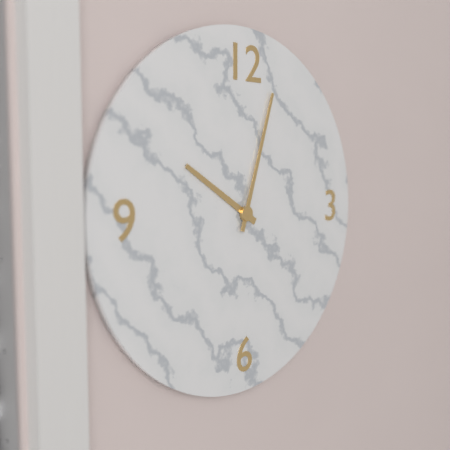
{"hour": 10, "minute": 3}
